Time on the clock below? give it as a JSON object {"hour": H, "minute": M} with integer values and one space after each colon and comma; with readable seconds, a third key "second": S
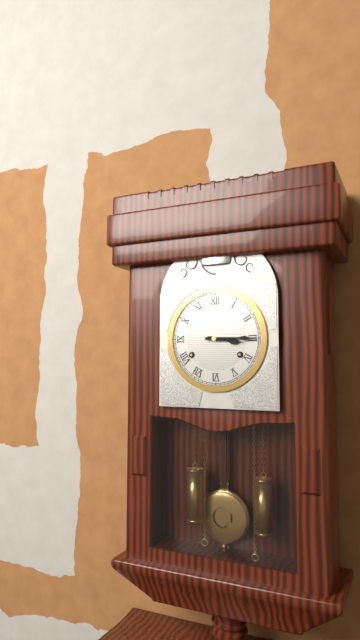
{"hour": 3, "minute": 15}
